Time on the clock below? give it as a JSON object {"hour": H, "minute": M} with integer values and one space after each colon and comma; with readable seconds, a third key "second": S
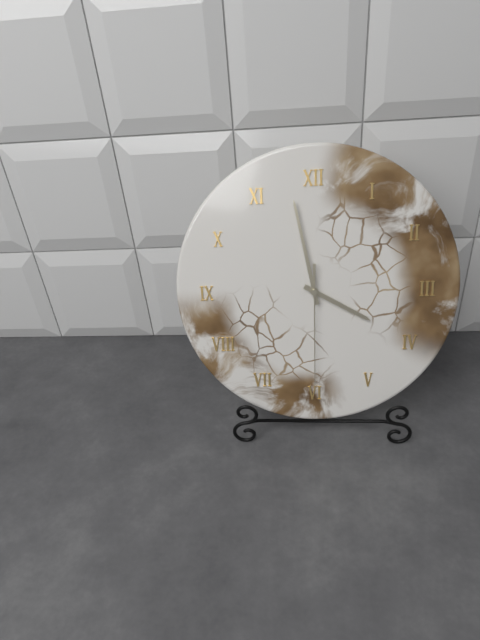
{"hour": 3, "minute": 58, "second": 30}
